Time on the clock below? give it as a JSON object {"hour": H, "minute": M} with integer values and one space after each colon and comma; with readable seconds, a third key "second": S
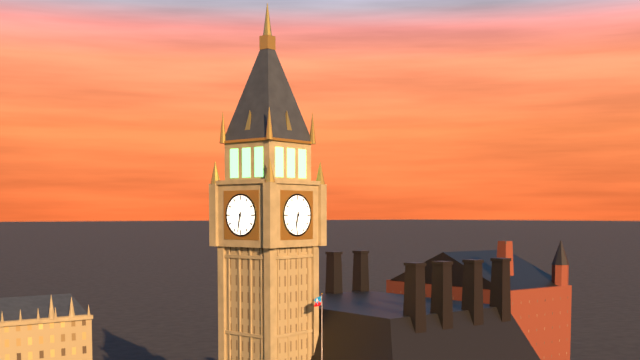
{"hour": 6, "minute": 32}
